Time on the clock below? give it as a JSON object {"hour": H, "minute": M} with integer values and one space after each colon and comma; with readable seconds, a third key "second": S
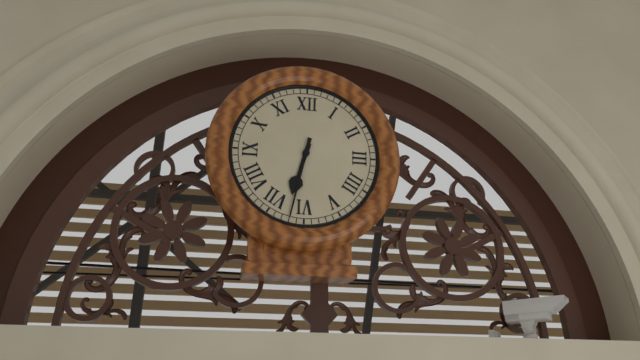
{"hour": 6, "minute": 32}
